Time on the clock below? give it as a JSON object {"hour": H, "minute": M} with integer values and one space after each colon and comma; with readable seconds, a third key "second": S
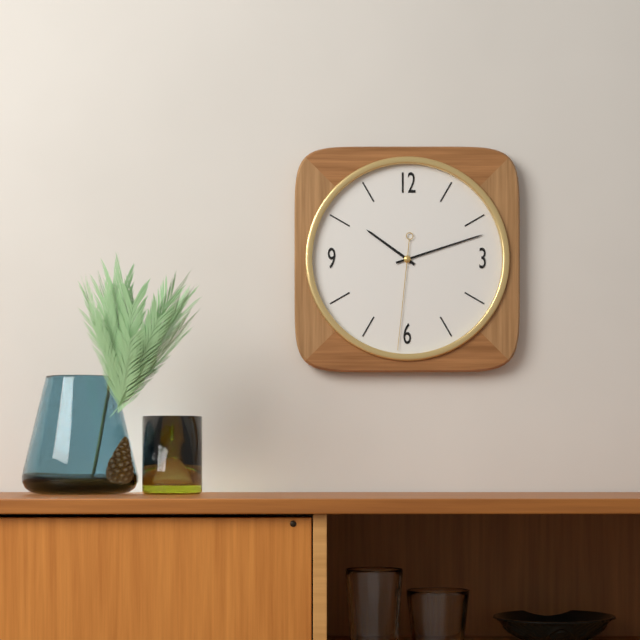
{"hour": 10, "minute": 12, "second": 31}
